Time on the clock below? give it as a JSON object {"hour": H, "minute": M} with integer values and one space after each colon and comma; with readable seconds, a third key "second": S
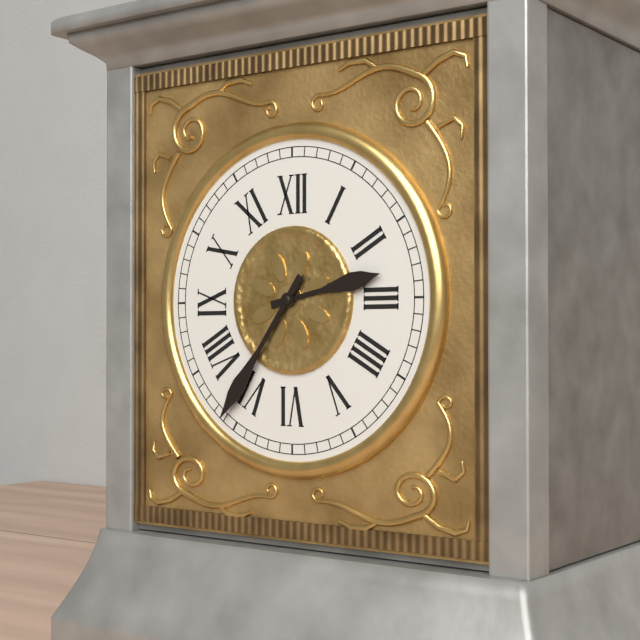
{"hour": 2, "minute": 36}
